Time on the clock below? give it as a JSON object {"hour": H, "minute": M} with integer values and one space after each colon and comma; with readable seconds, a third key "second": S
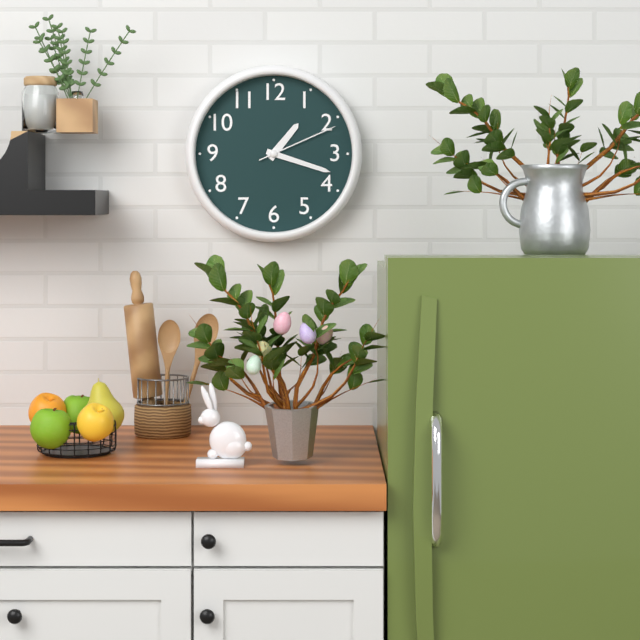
{"hour": 1, "minute": 18, "second": 11}
